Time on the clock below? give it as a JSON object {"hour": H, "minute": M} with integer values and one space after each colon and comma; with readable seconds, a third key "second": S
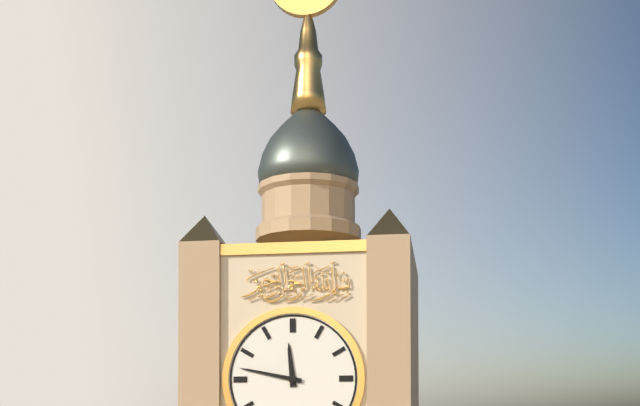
{"hour": 11, "minute": 47}
